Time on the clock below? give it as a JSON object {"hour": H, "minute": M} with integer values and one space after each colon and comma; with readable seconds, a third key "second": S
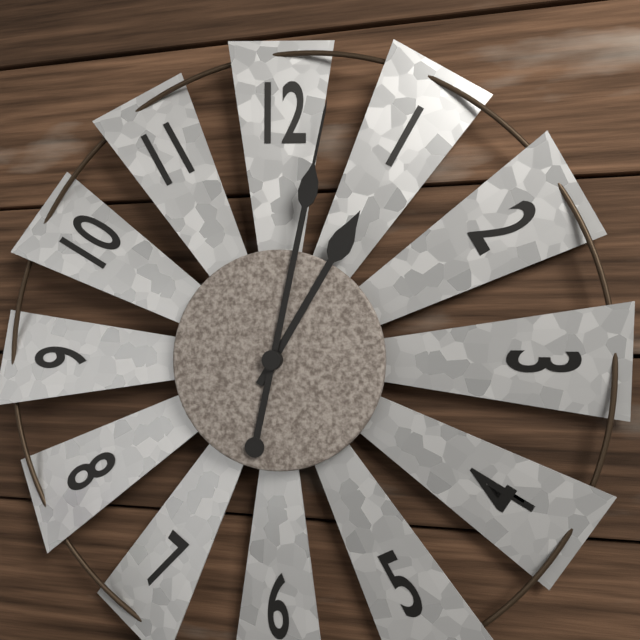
{"hour": 1, "minute": 2}
